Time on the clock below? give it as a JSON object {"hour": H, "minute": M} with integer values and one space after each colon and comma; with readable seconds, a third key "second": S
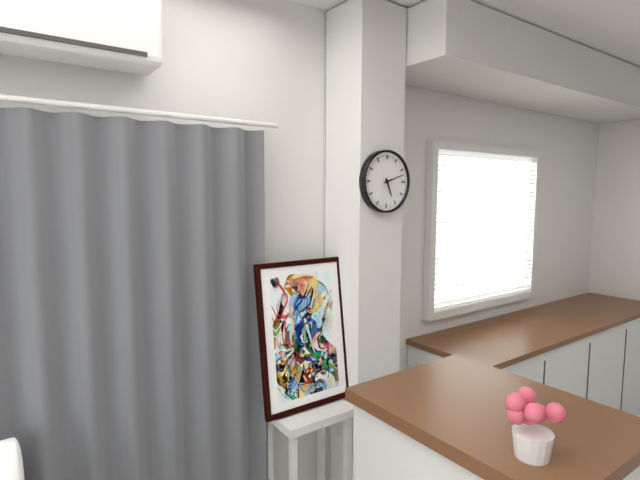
{"hour": 5, "minute": 12}
